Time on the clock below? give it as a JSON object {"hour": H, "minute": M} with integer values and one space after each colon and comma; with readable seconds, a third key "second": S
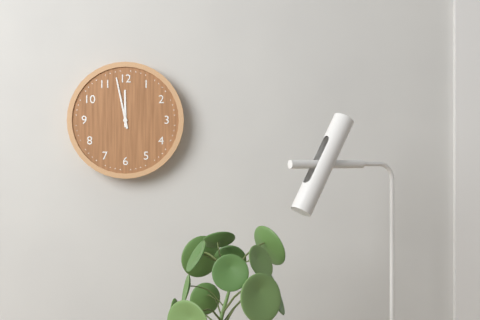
{"hour": 11, "minute": 58}
